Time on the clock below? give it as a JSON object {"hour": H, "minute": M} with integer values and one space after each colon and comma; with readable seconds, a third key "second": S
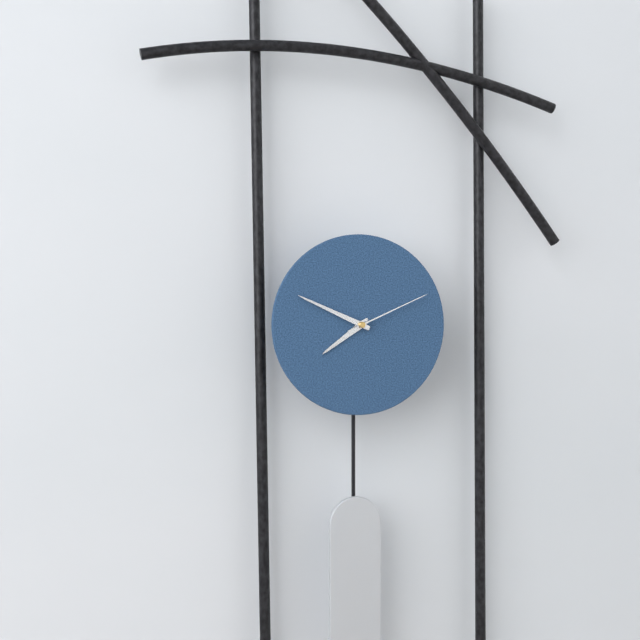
{"hour": 7, "minute": 49, "second": 11}
